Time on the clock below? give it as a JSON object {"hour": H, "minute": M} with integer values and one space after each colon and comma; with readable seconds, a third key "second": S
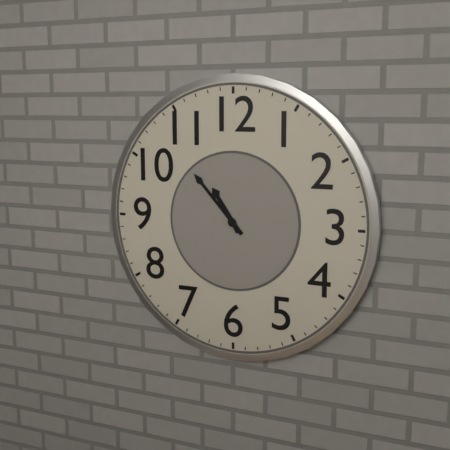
{"hour": 10, "minute": 53}
